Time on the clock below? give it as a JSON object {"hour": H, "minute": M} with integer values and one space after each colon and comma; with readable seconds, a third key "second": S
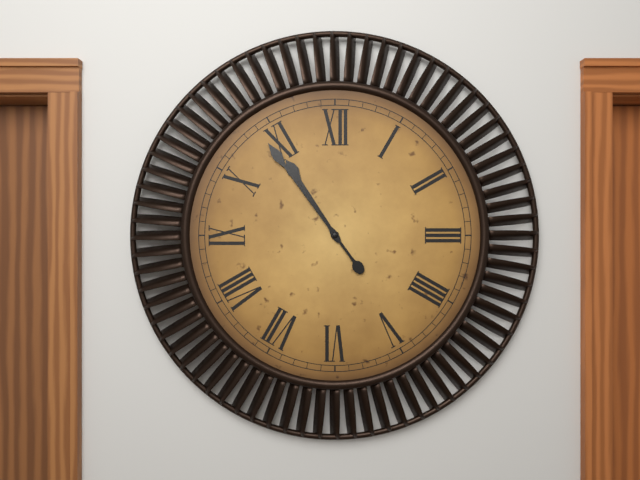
{"hour": 10, "minute": 54}
